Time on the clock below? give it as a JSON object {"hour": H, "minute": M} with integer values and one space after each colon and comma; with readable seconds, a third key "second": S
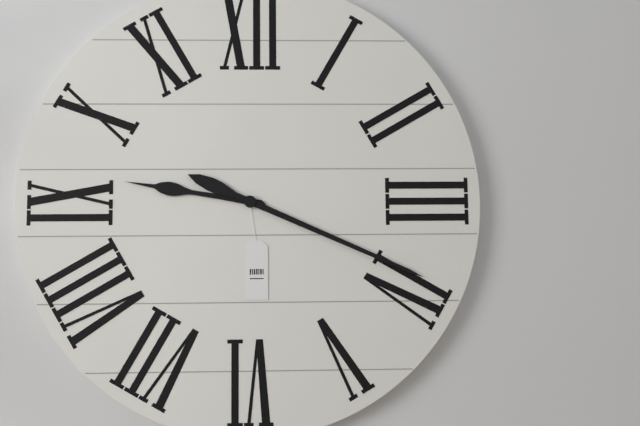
{"hour": 9, "minute": 19}
